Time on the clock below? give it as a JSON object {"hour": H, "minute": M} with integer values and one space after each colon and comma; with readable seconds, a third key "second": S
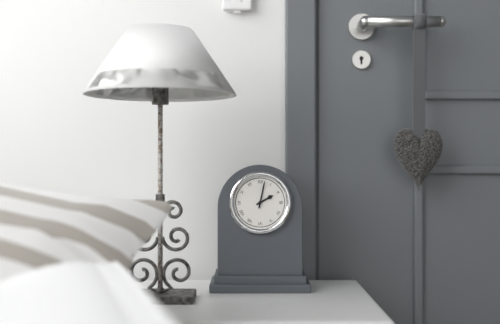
{"hour": 2, "minute": 2}
